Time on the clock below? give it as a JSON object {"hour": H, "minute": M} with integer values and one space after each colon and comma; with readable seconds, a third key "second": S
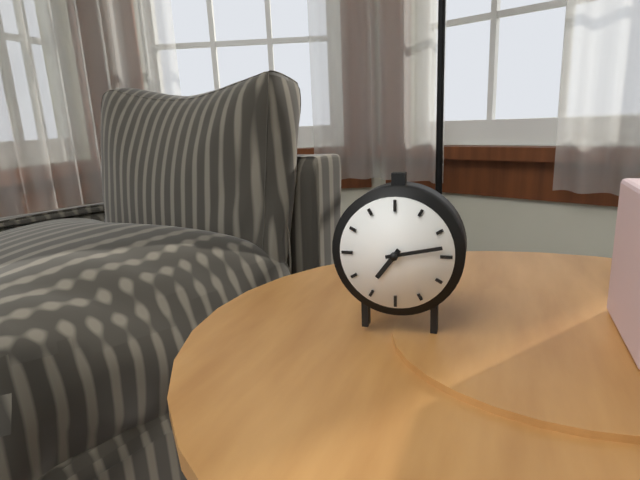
{"hour": 7, "minute": 13}
